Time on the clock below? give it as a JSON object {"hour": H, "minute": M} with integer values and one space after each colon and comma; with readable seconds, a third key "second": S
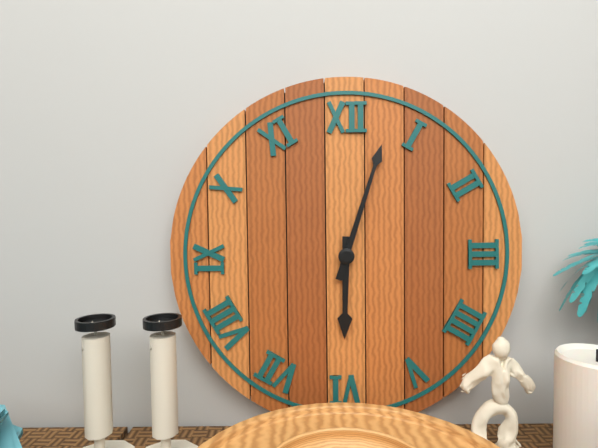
{"hour": 6, "minute": 3}
